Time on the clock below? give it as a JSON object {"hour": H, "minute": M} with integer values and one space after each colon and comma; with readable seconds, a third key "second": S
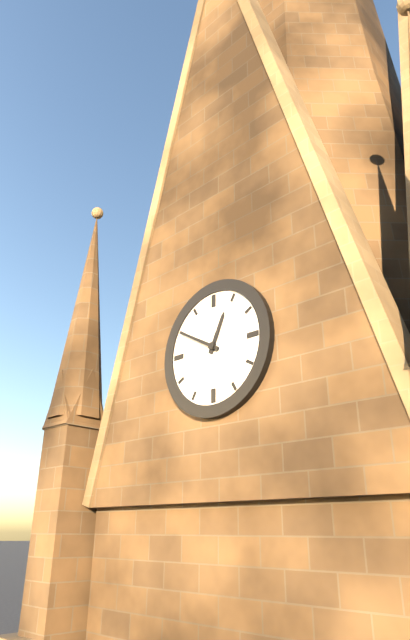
{"hour": 12, "minute": 50}
